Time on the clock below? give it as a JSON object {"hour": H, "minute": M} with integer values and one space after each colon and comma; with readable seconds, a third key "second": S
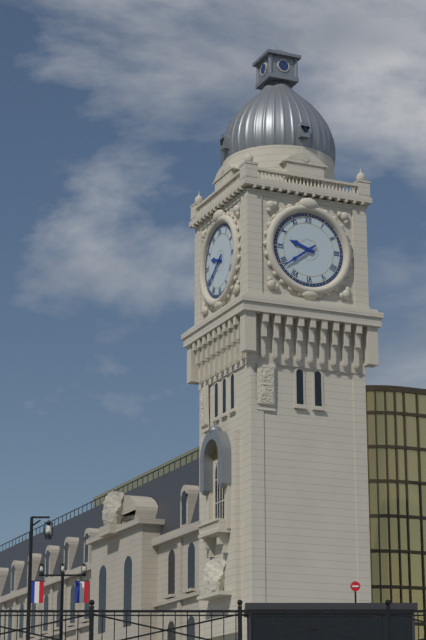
{"hour": 9, "minute": 39}
